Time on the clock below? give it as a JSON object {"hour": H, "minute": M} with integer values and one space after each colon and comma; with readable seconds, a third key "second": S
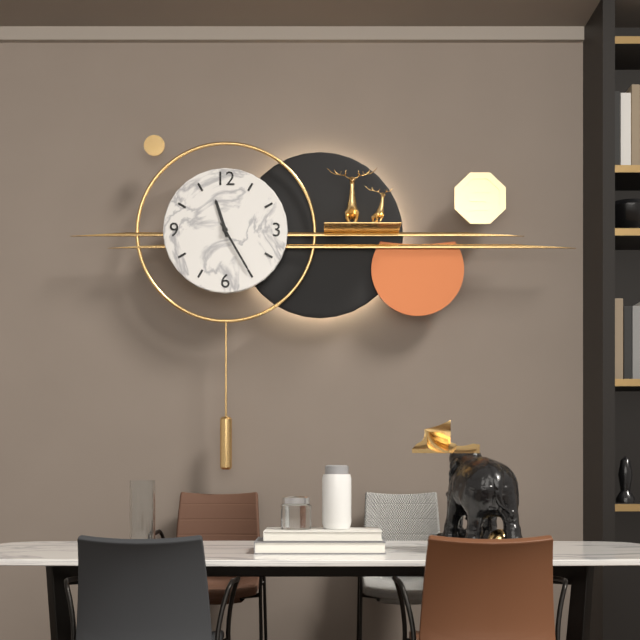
{"hour": 11, "minute": 25}
